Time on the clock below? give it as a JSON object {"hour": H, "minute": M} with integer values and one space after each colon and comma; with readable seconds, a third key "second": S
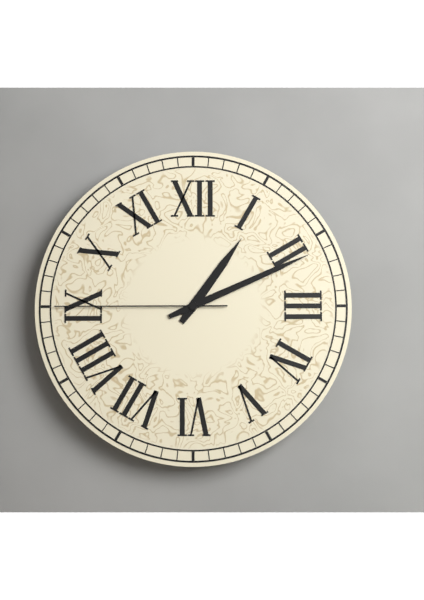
{"hour": 1, "minute": 11, "second": 45}
